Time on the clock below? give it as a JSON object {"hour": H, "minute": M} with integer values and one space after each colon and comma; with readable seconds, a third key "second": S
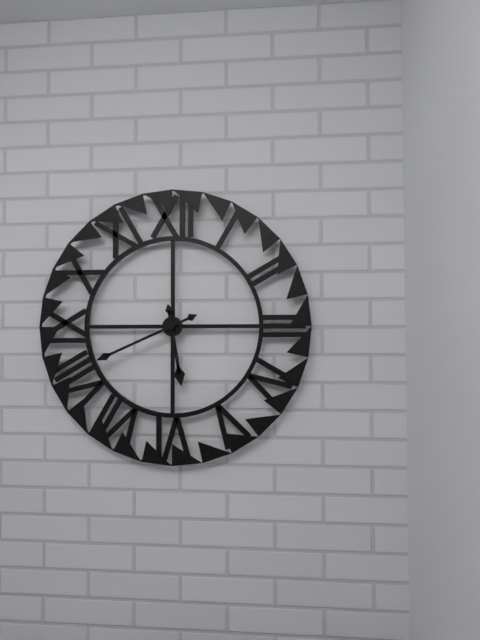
{"hour": 5, "minute": 41}
